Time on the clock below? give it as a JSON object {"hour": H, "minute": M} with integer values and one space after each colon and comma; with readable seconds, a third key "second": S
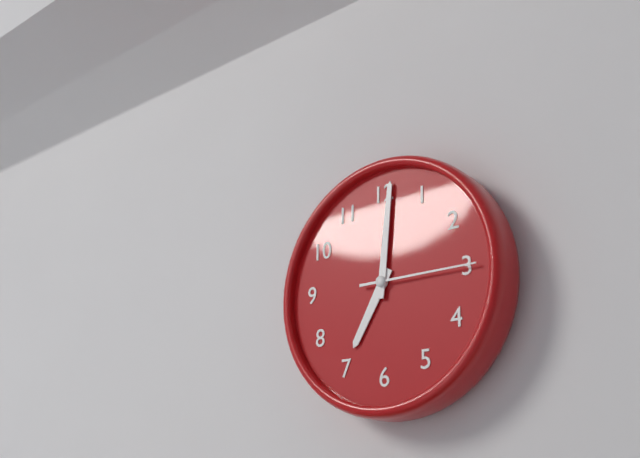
{"hour": 7, "minute": 1, "second": 15}
